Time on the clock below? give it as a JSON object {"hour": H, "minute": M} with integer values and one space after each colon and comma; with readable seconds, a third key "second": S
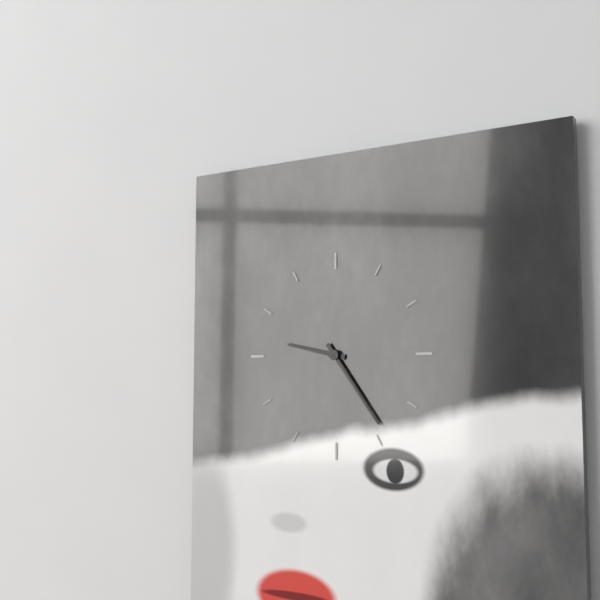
{"hour": 9, "minute": 24}
